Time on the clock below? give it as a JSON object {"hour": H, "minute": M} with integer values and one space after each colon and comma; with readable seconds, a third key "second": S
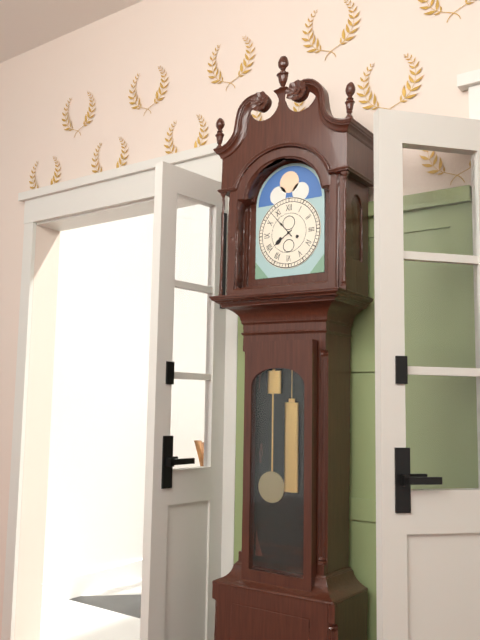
{"hour": 7, "minute": 53}
